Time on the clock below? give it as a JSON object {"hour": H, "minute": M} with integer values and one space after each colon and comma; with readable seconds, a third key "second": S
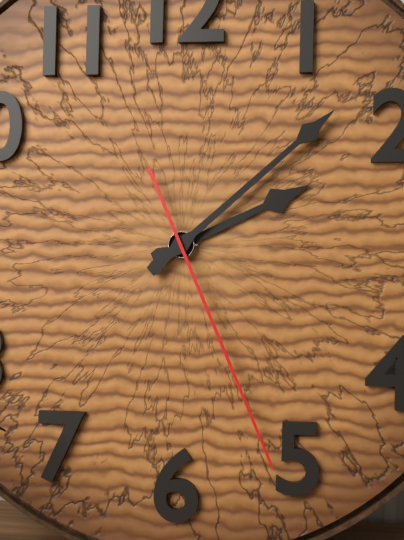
{"hour": 2, "minute": 8, "second": 26}
